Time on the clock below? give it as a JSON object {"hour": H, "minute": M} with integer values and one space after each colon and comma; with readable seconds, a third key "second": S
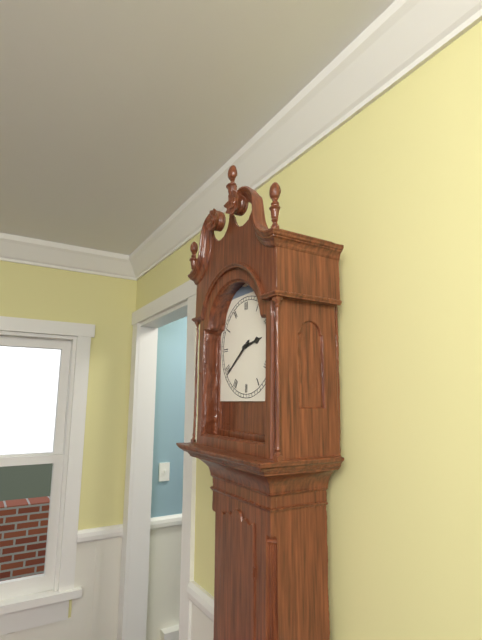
{"hour": 2, "minute": 39}
